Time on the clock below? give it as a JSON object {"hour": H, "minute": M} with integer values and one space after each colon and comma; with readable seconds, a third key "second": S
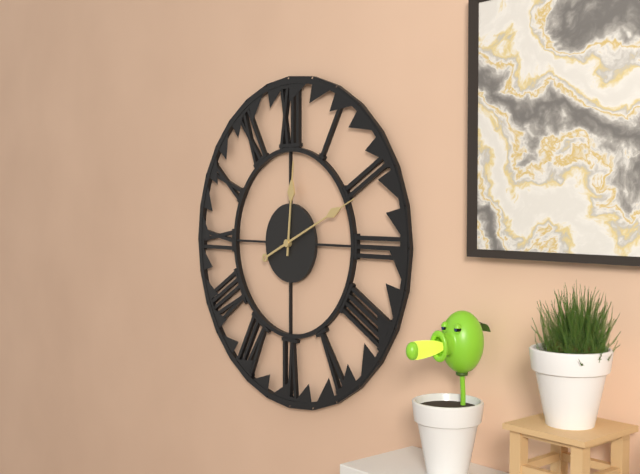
{"hour": 12, "minute": 11}
